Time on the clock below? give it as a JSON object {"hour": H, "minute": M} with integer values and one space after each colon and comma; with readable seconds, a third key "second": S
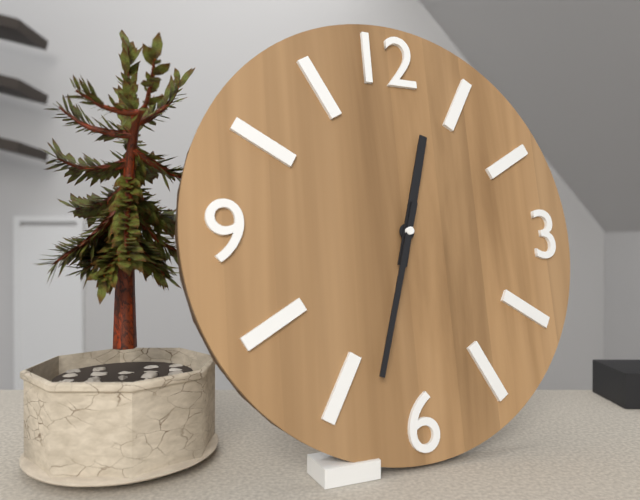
{"hour": 12, "minute": 33}
